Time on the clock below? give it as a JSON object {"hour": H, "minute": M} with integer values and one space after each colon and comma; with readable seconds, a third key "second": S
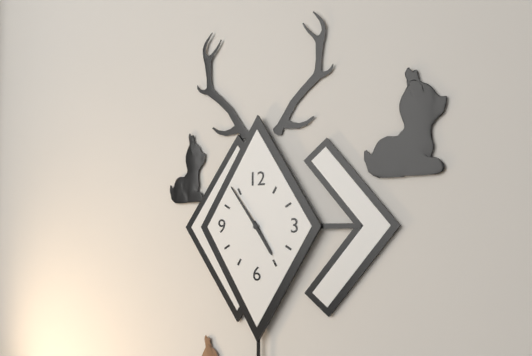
{"hour": 4, "minute": 54}
